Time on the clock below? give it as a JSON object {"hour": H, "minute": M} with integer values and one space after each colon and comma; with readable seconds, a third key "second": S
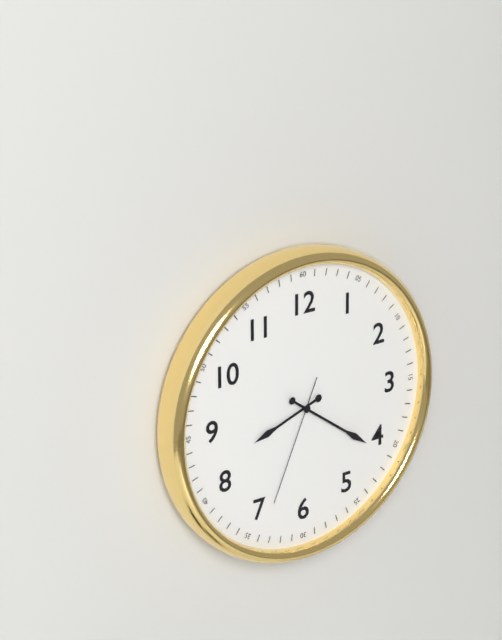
{"hour": 8, "minute": 21, "second": 34}
